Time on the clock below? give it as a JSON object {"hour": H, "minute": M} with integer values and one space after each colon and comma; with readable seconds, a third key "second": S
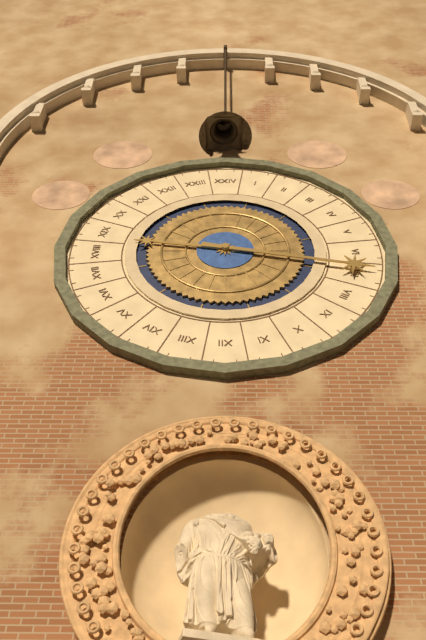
{"hour": 9, "minute": 17}
